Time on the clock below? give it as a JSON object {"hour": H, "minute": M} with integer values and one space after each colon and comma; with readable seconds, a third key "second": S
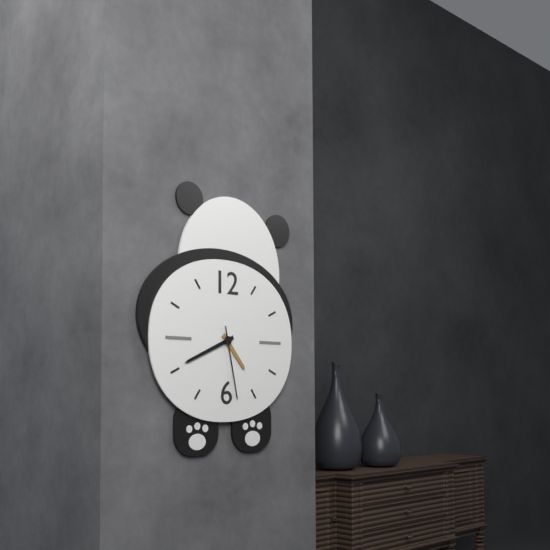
{"hour": 4, "minute": 41, "second": 28}
